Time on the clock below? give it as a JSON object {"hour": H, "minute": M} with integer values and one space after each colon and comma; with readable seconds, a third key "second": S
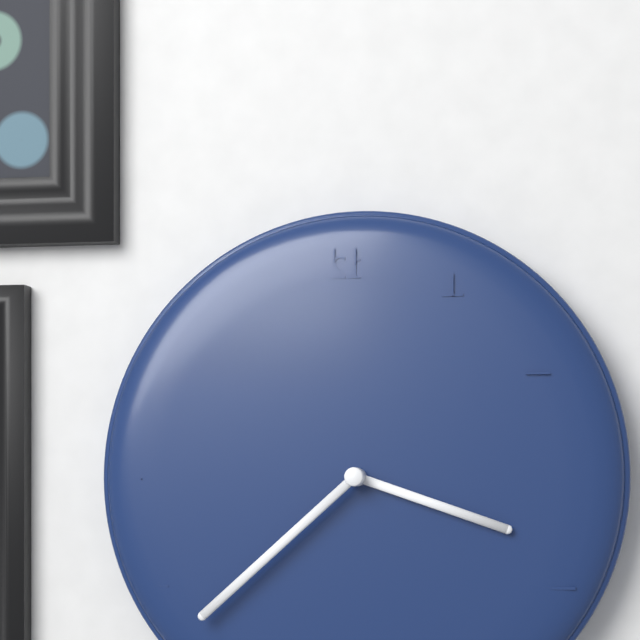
{"hour": 3, "minute": 38}
